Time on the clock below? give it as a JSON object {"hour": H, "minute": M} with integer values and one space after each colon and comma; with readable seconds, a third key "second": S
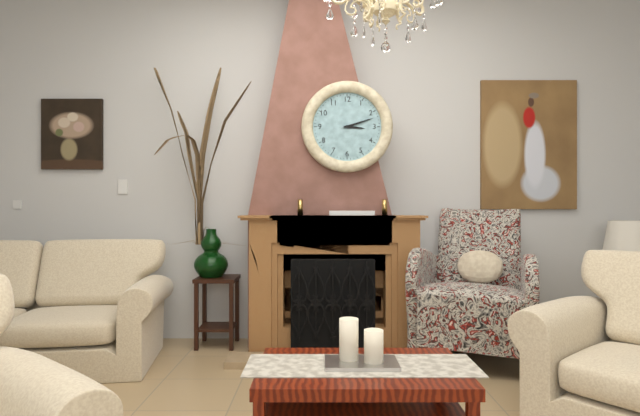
{"hour": 3, "minute": 12}
